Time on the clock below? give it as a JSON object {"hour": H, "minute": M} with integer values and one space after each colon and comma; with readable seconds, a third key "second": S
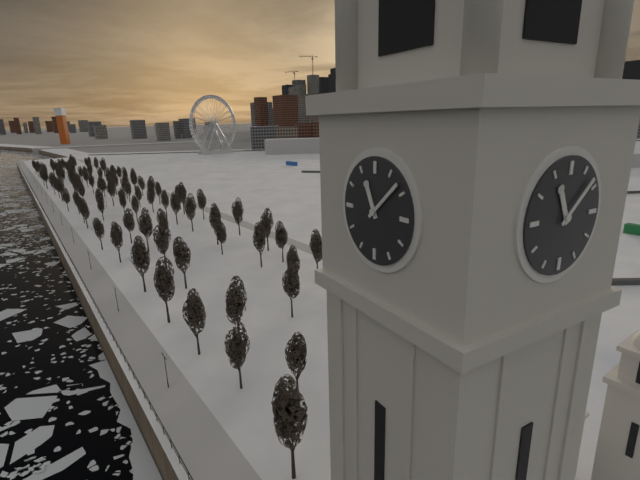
{"hour": 11, "minute": 8}
